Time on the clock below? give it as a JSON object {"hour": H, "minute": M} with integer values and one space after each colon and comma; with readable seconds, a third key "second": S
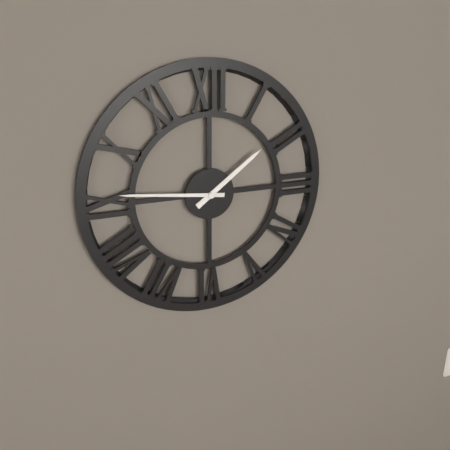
{"hour": 1, "minute": 46}
